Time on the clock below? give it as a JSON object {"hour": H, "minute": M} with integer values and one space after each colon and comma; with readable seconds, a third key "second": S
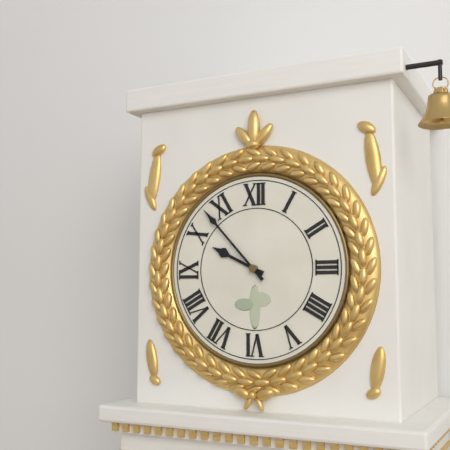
{"hour": 9, "minute": 53}
